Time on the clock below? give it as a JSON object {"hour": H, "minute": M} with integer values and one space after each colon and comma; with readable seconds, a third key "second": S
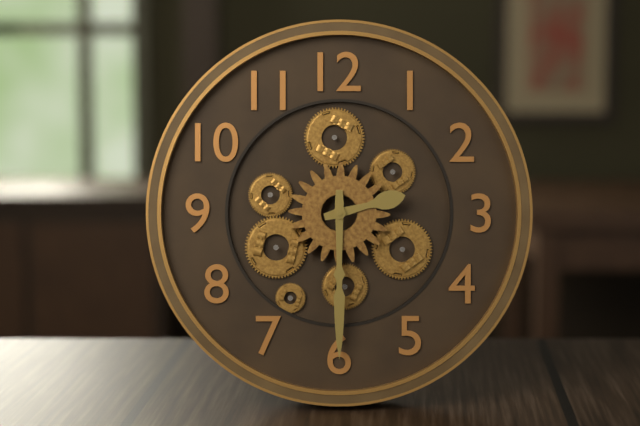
{"hour": 2, "minute": 30}
